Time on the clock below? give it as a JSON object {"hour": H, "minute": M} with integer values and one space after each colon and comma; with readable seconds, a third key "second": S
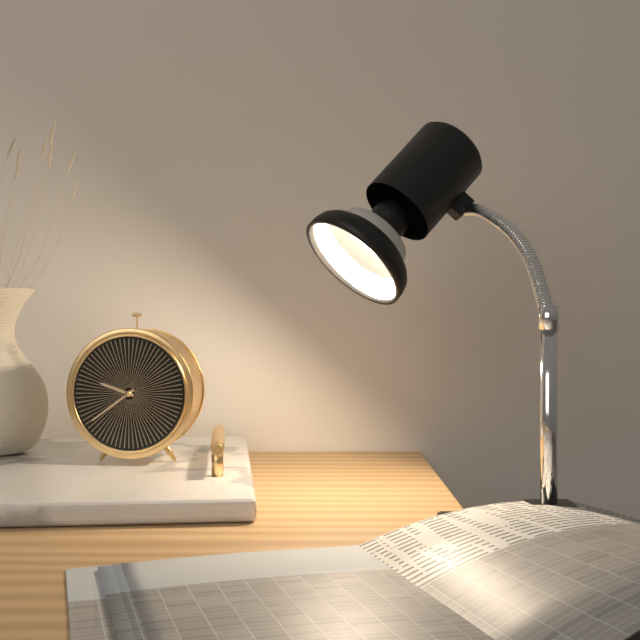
{"hour": 9, "minute": 39}
